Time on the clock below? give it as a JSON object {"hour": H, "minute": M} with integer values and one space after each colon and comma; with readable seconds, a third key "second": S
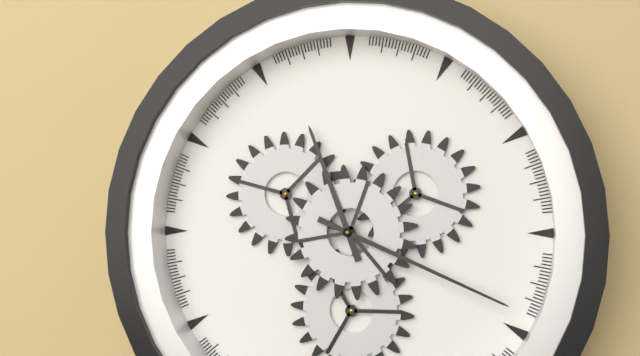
{"hour": 11, "minute": 19}
